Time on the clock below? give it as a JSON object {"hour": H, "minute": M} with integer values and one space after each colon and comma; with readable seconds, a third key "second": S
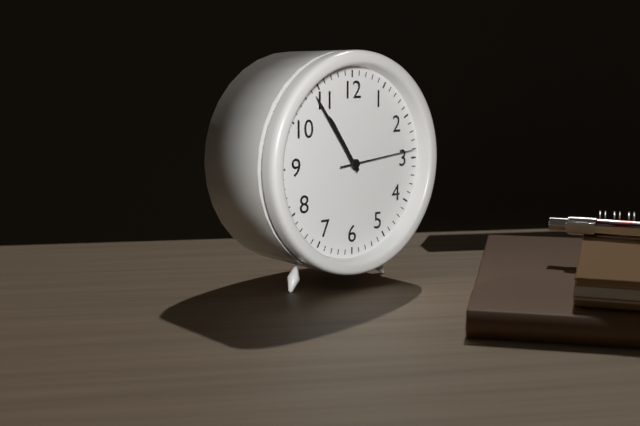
{"hour": 10, "minute": 54, "second": 14}
